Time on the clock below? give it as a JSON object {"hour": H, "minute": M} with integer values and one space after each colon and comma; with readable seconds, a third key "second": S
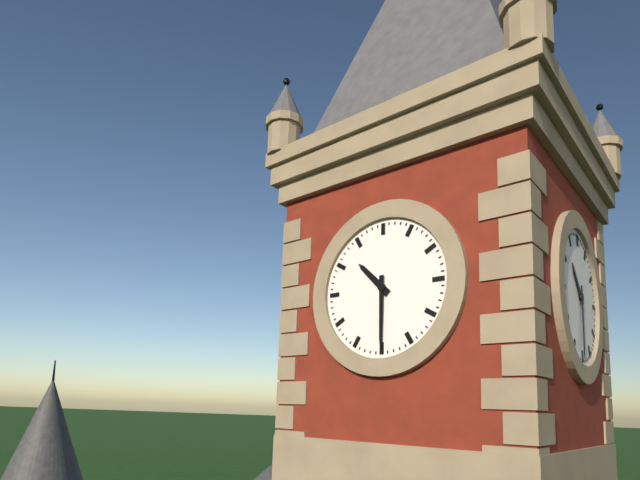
{"hour": 10, "minute": 30}
